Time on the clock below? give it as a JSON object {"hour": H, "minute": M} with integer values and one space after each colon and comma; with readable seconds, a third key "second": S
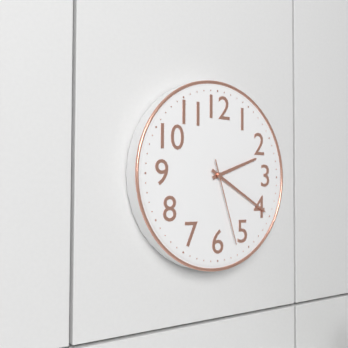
{"hour": 2, "minute": 20, "second": 27}
